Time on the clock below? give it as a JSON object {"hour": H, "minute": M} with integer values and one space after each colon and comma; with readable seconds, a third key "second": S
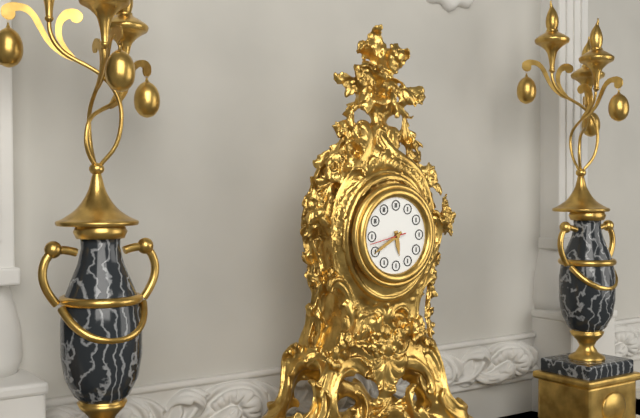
{"hour": 5, "minute": 40}
